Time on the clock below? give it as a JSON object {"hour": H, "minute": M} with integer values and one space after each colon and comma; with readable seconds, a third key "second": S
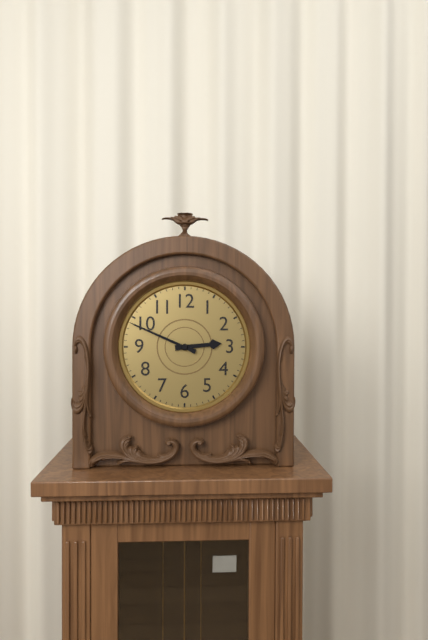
{"hour": 2, "minute": 49}
